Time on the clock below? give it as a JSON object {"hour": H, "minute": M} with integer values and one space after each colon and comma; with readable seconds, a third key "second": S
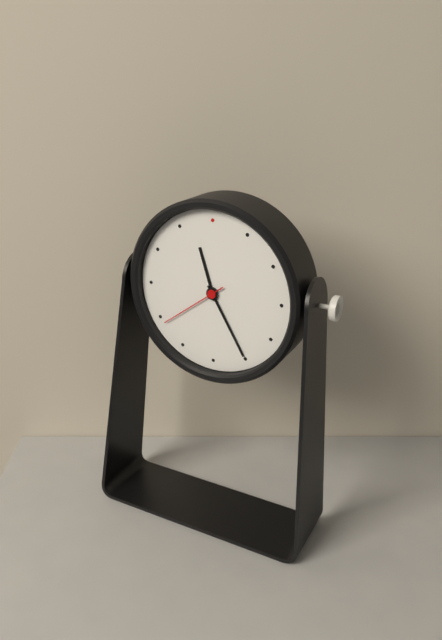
{"hour": 11, "minute": 25, "second": 39}
